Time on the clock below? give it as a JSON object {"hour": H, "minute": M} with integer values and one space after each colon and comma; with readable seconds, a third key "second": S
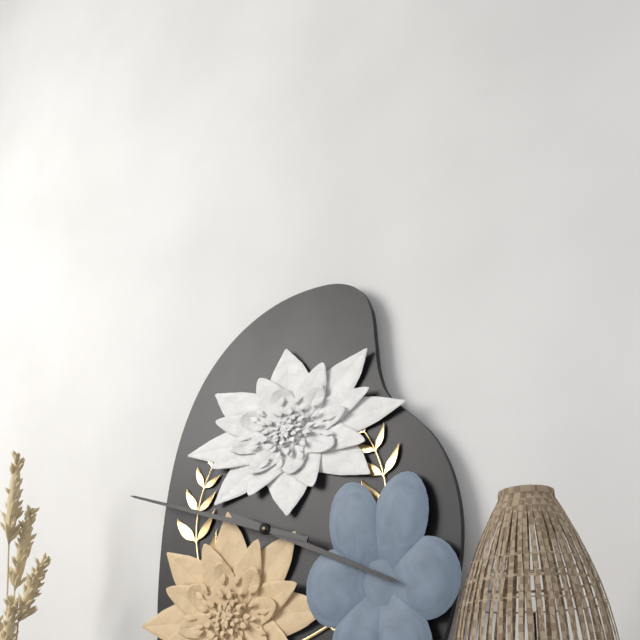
{"hour": 3, "minute": 48}
